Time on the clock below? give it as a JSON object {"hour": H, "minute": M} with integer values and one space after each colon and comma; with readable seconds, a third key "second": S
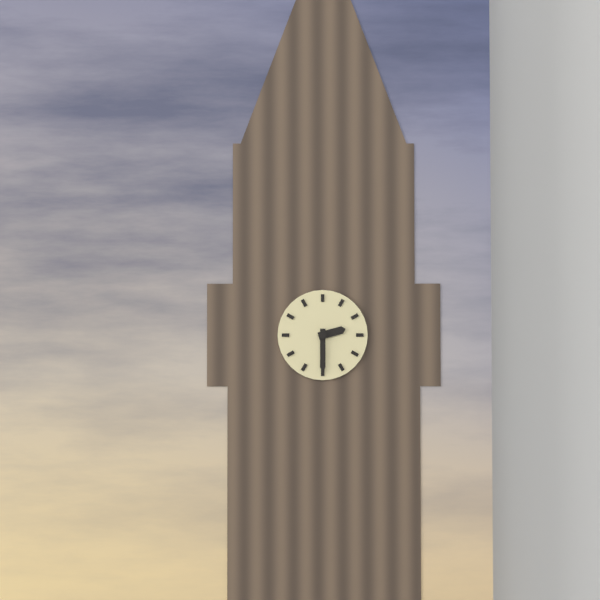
{"hour": 2, "minute": 30}
